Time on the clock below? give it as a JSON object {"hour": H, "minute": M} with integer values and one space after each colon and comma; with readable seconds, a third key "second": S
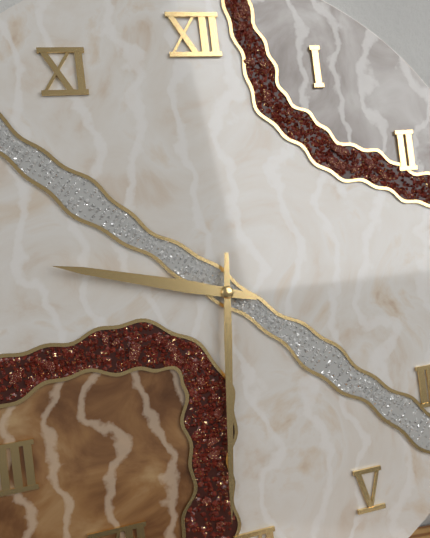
{"hour": 9, "minute": 31}
